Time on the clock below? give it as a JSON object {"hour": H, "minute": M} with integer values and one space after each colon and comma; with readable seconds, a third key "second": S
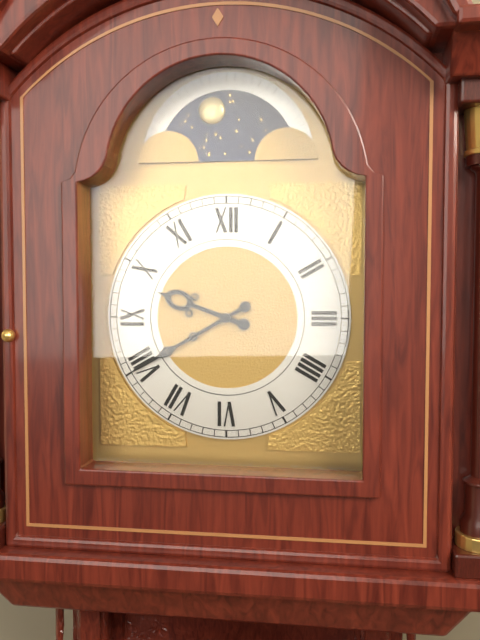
{"hour": 9, "minute": 40}
